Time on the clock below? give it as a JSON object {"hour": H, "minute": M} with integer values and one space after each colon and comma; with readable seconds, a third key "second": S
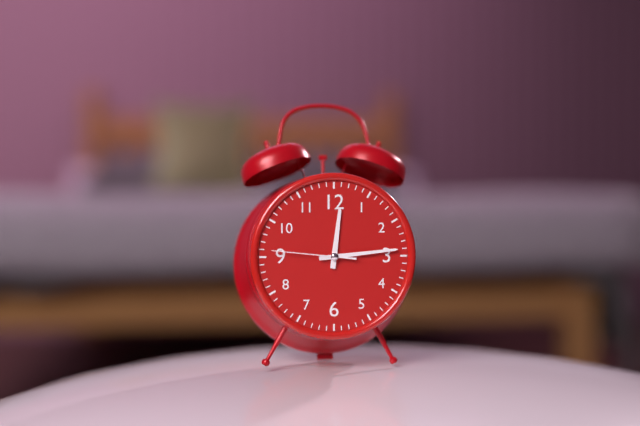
{"hour": 12, "minute": 14, "second": 46}
